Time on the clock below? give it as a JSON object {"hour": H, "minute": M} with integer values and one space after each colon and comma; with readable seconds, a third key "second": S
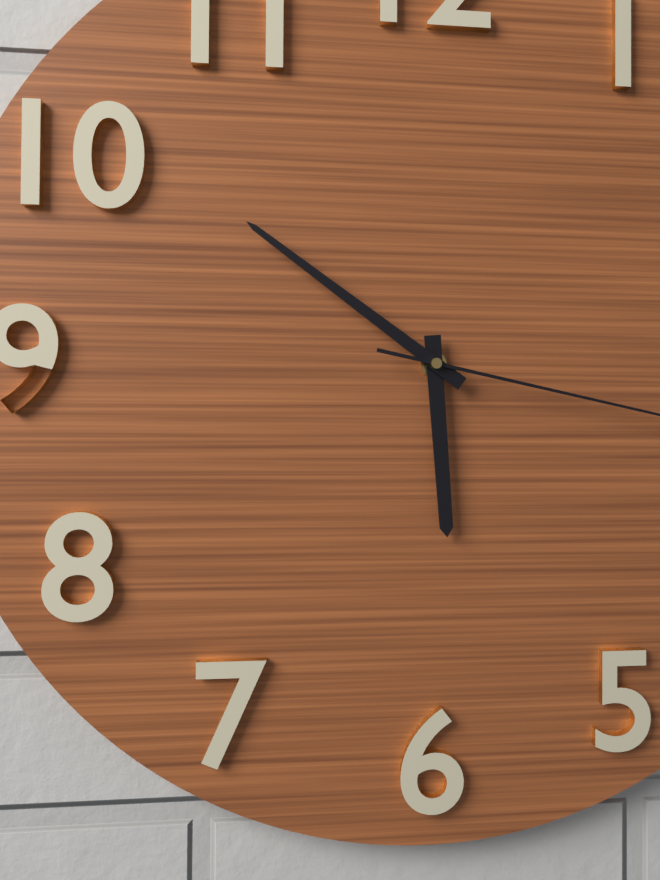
{"hour": 5, "minute": 51}
